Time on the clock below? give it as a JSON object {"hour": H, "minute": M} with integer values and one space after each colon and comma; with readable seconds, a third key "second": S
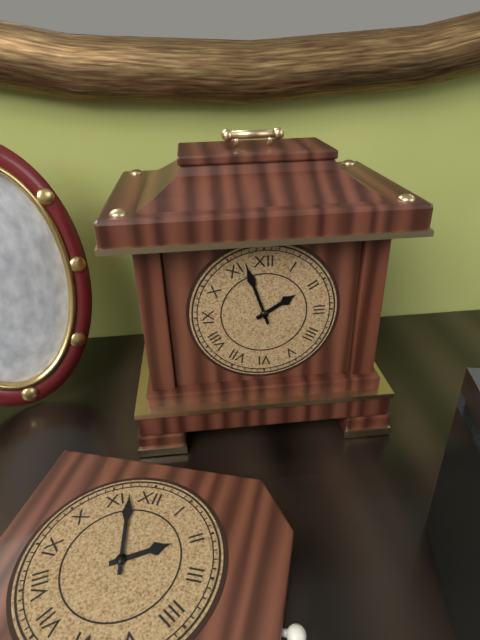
{"hour": 1, "minute": 57}
